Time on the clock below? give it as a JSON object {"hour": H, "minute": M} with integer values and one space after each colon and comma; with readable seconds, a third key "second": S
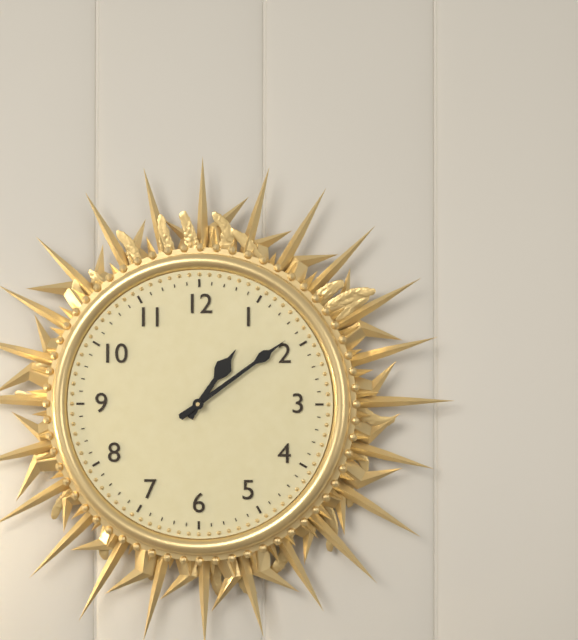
{"hour": 1, "minute": 9}
